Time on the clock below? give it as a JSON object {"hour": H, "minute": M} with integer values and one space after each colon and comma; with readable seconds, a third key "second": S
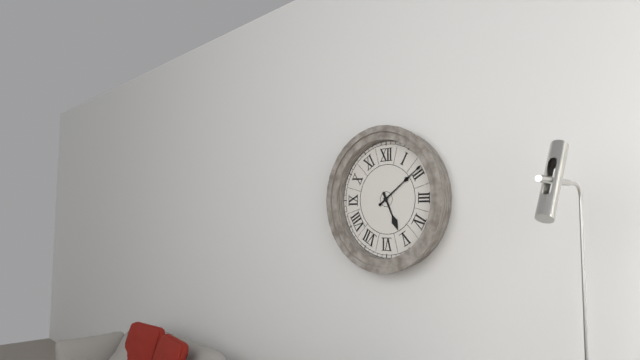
{"hour": 5, "minute": 9}
